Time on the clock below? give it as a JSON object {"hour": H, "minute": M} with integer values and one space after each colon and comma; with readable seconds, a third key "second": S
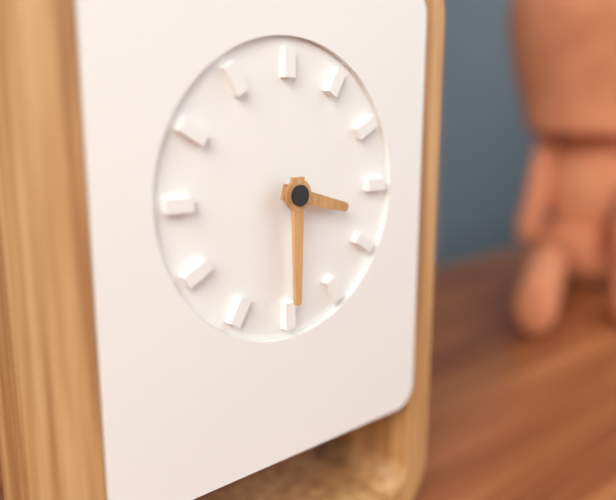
{"hour": 3, "minute": 30}
